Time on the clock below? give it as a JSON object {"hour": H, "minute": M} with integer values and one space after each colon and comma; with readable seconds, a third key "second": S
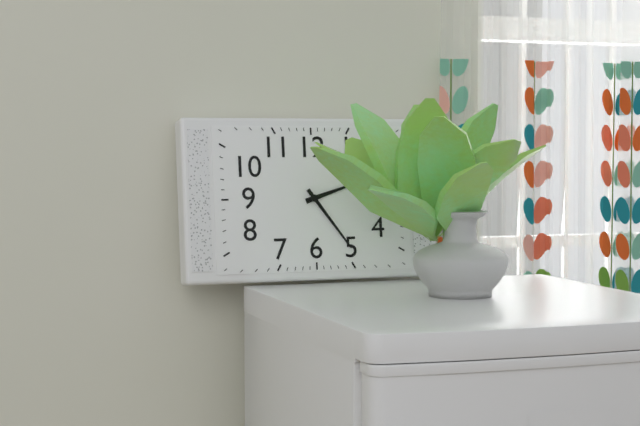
{"hour": 2, "minute": 24}
